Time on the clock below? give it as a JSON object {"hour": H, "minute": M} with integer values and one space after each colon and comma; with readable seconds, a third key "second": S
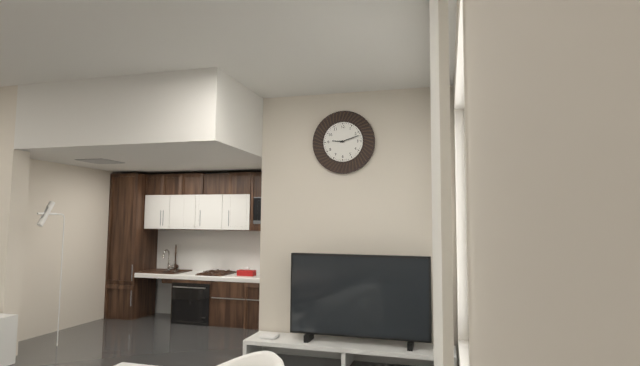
{"hour": 9, "minute": 12}
